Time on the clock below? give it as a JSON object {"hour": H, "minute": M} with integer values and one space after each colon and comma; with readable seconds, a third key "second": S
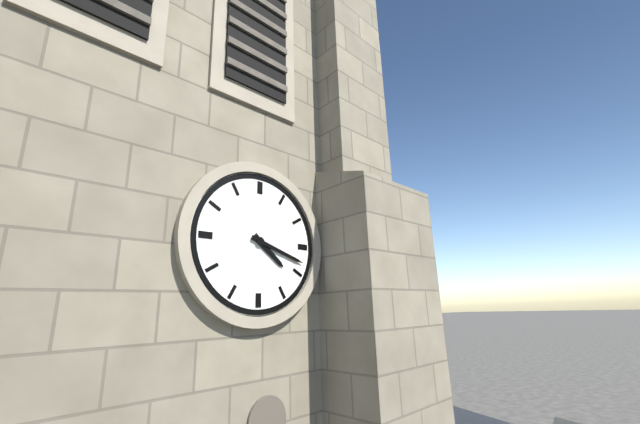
{"hour": 4, "minute": 18}
